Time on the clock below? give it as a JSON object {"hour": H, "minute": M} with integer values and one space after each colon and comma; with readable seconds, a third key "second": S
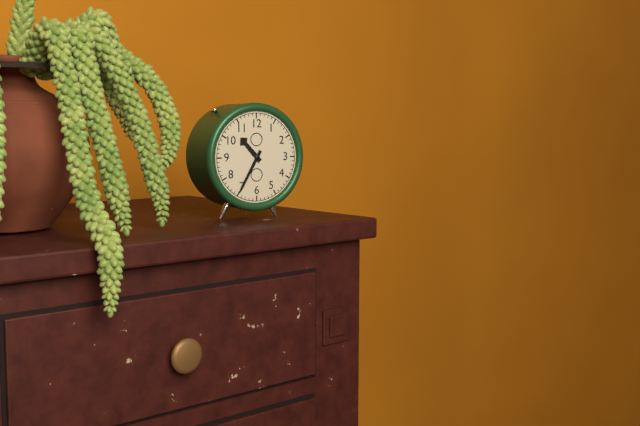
{"hour": 10, "minute": 35}
